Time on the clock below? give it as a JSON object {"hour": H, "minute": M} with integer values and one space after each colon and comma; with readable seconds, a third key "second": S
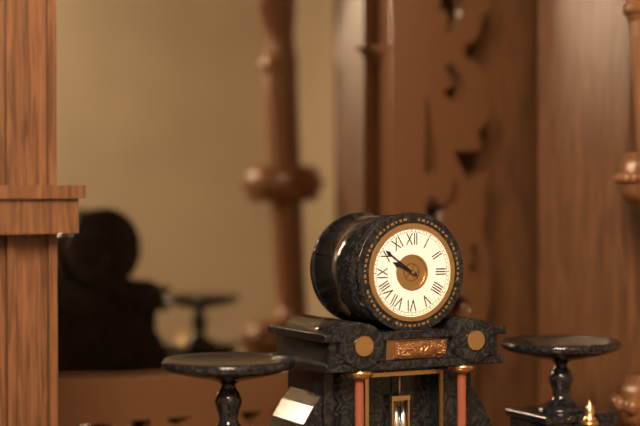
{"hour": 9, "minute": 51}
